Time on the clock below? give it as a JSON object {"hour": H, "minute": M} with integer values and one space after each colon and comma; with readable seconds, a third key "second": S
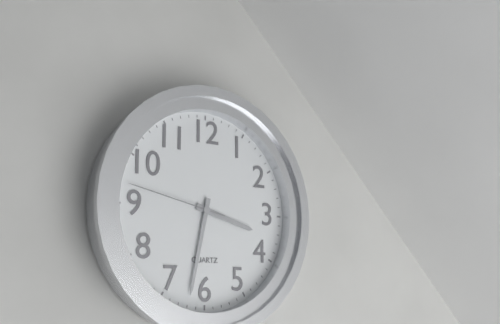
{"hour": 3, "minute": 32, "second": 47}
